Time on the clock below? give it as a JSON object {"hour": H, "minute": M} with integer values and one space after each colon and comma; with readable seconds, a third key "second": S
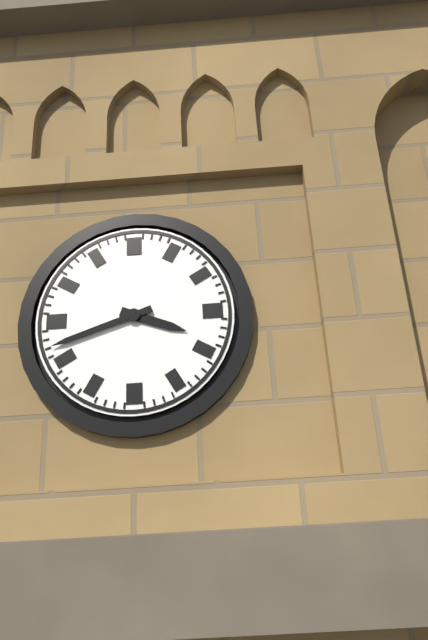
{"hour": 3, "minute": 42}
